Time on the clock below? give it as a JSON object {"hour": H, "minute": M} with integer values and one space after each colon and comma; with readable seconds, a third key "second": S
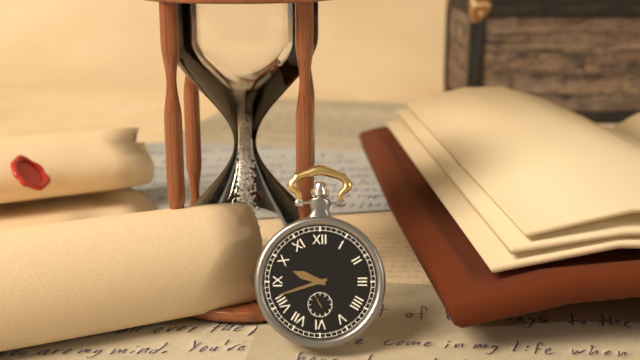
{"hour": 9, "minute": 42}
